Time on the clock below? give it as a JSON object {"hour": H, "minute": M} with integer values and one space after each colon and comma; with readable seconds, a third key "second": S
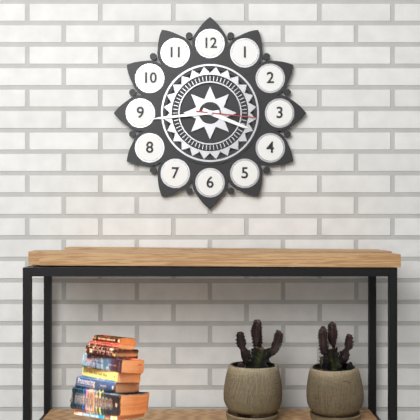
{"hour": 3, "minute": 44, "second": 16}
